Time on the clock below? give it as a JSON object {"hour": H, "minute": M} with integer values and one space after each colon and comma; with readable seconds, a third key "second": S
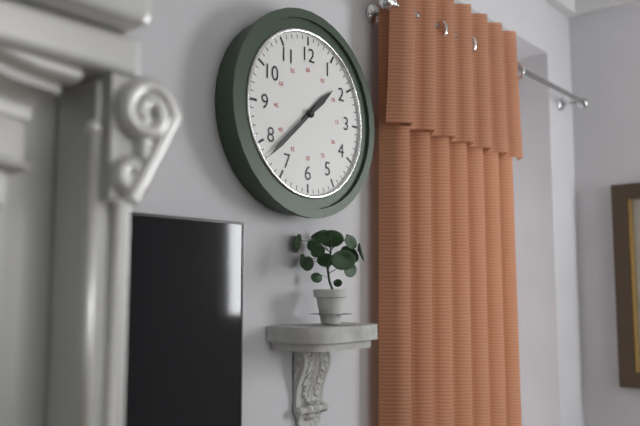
{"hour": 1, "minute": 38}
